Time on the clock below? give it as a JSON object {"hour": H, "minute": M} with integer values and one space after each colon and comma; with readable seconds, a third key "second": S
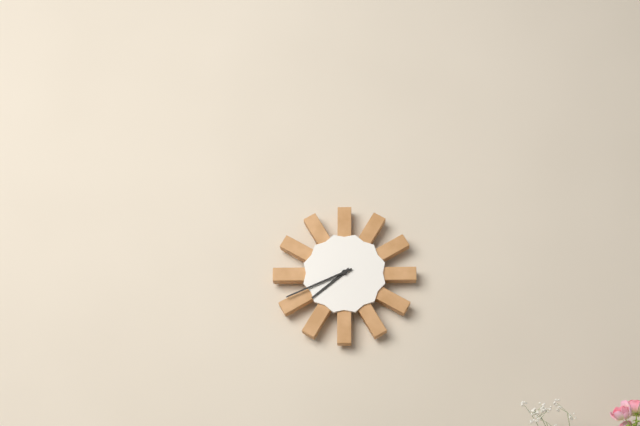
{"hour": 7, "minute": 41}
